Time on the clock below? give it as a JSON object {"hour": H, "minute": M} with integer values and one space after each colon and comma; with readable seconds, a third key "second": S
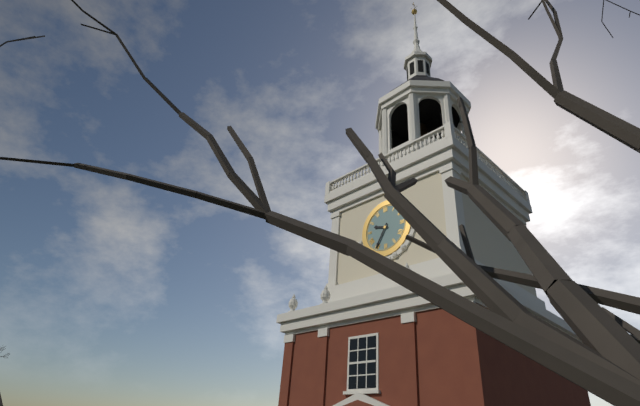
{"hour": 9, "minute": 35}
